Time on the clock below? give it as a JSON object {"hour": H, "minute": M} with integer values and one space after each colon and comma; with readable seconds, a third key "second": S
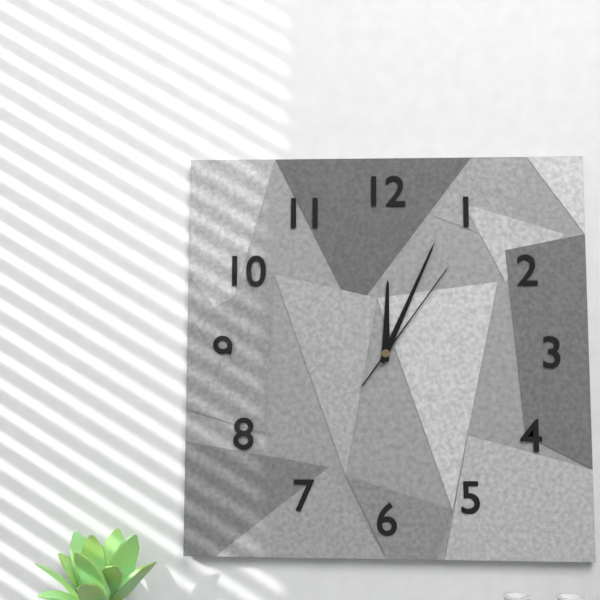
{"hour": 12, "minute": 4, "second": 6}
